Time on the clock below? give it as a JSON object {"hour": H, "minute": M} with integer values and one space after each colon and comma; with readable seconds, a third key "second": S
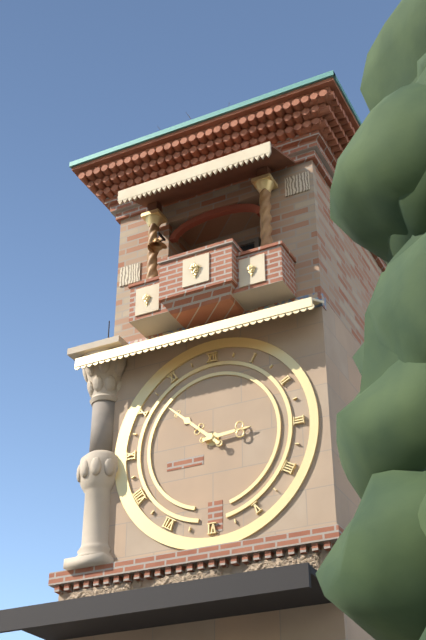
{"hour": 2, "minute": 52}
